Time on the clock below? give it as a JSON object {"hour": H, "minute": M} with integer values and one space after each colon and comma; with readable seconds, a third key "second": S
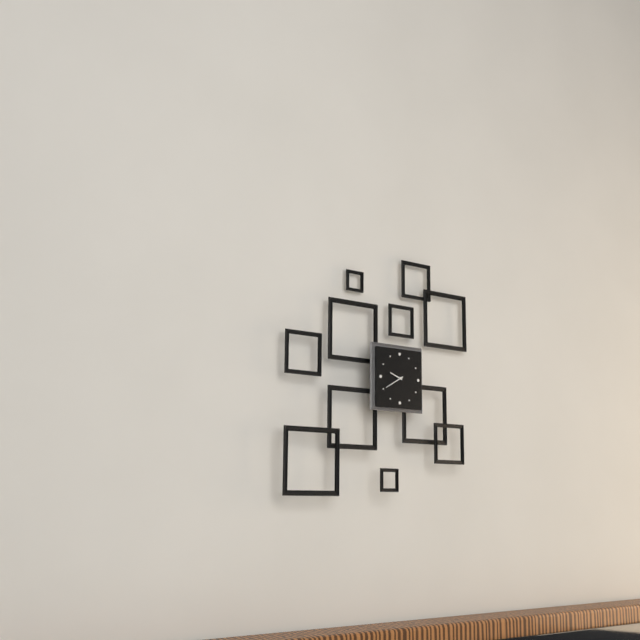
{"hour": 9, "minute": 40}
